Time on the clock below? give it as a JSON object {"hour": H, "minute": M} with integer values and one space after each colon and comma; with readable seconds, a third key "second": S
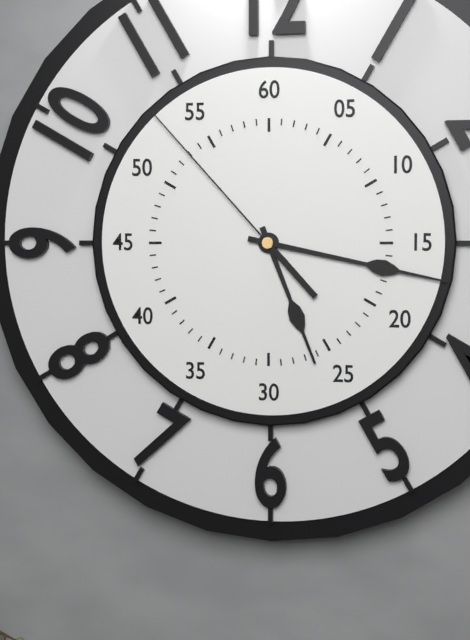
{"hour": 5, "minute": 17, "second": 53}
